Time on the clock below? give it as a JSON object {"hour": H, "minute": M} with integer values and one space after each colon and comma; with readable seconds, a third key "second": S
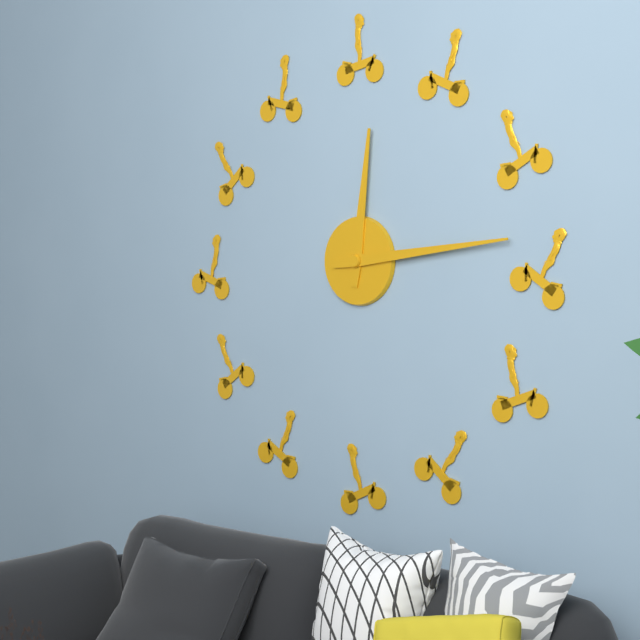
{"hour": 12, "minute": 14}
